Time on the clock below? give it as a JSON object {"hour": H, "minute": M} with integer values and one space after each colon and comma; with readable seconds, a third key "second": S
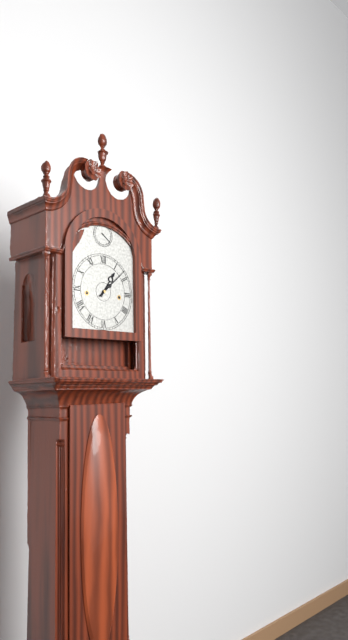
{"hour": 1, "minute": 8}
